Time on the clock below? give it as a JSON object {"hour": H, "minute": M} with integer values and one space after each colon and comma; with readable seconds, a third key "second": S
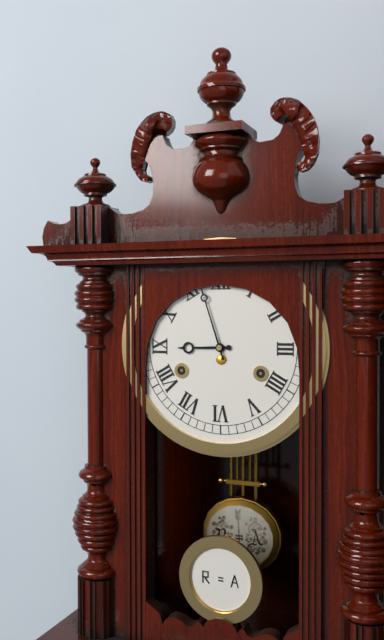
{"hour": 8, "minute": 57}
